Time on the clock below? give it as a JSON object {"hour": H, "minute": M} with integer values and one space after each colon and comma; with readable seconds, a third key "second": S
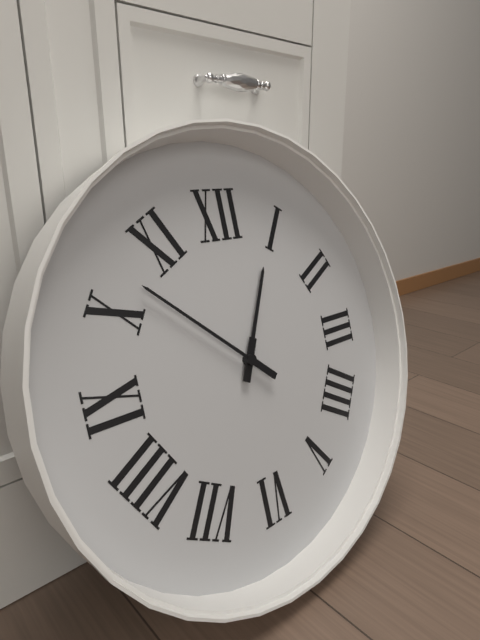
{"hour": 12, "minute": 52}
